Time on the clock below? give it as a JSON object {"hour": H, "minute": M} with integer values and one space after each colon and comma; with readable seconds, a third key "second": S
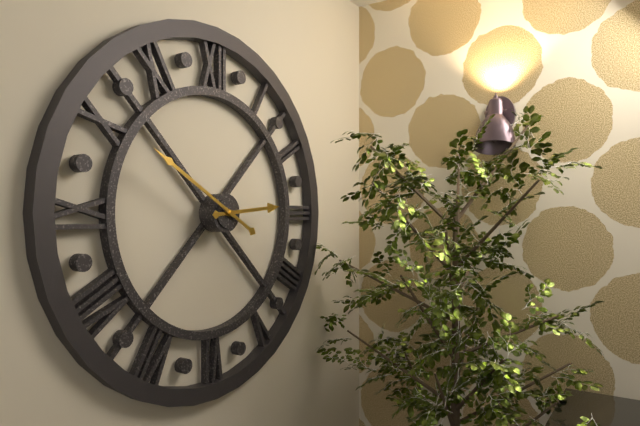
{"hour": 2, "minute": 50}
